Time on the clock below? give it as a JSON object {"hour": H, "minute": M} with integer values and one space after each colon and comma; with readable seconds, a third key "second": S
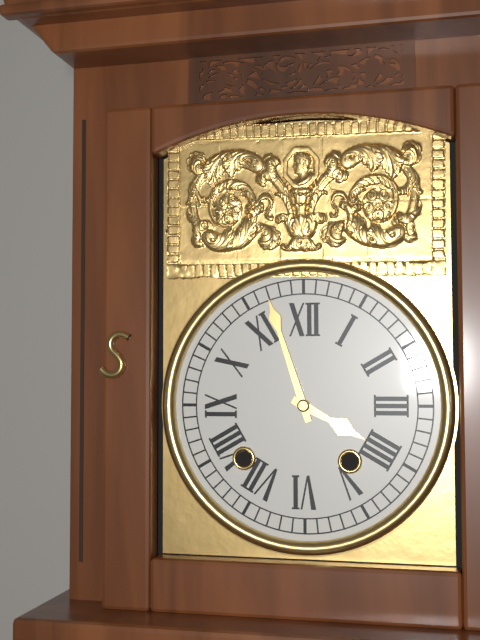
{"hour": 3, "minute": 57}
